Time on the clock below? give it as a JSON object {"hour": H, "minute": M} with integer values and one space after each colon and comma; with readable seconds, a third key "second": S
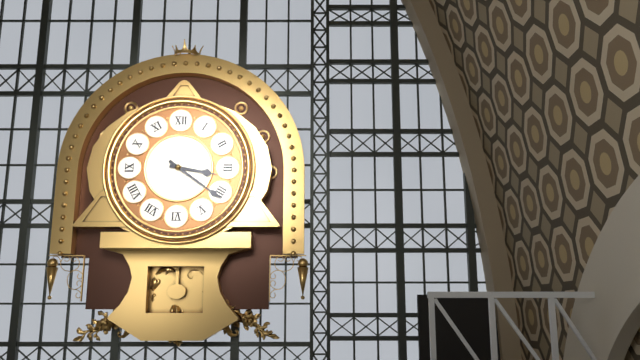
{"hour": 3, "minute": 21}
